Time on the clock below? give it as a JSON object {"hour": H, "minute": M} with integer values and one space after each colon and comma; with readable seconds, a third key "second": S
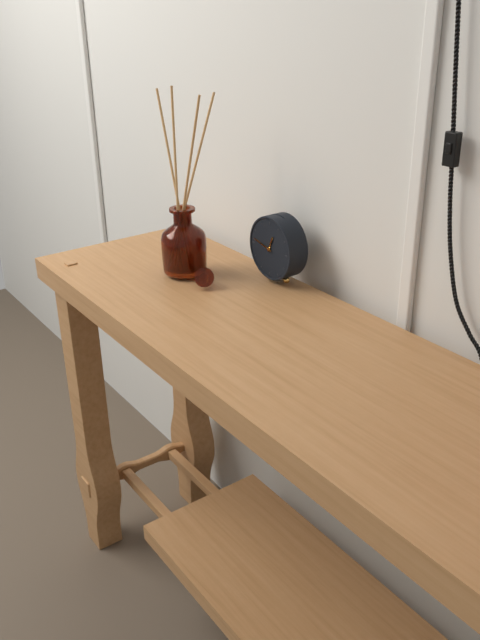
{"hour": 12, "minute": 47}
